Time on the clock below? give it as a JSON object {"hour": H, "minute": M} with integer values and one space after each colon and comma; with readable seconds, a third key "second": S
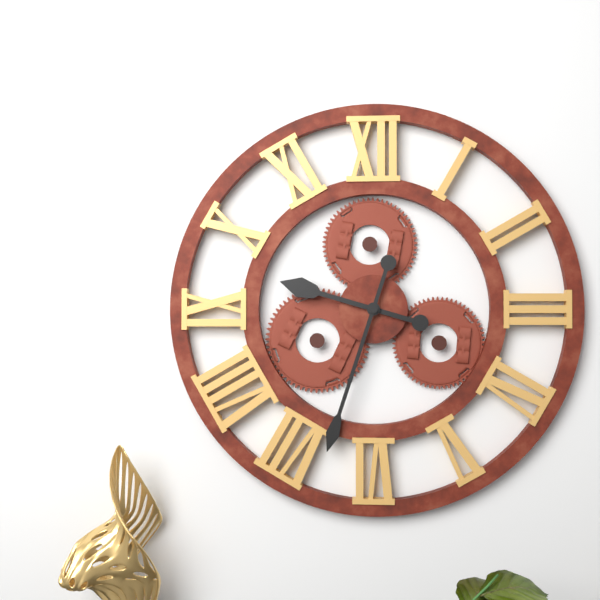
{"hour": 9, "minute": 33}
